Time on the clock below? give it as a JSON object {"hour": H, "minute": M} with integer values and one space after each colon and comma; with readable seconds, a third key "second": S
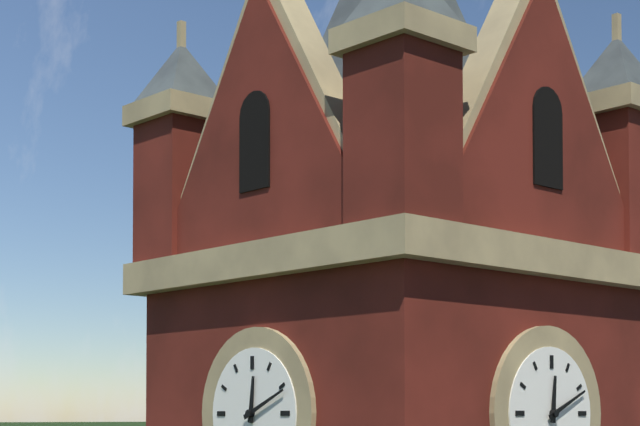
{"hour": 12, "minute": 11}
